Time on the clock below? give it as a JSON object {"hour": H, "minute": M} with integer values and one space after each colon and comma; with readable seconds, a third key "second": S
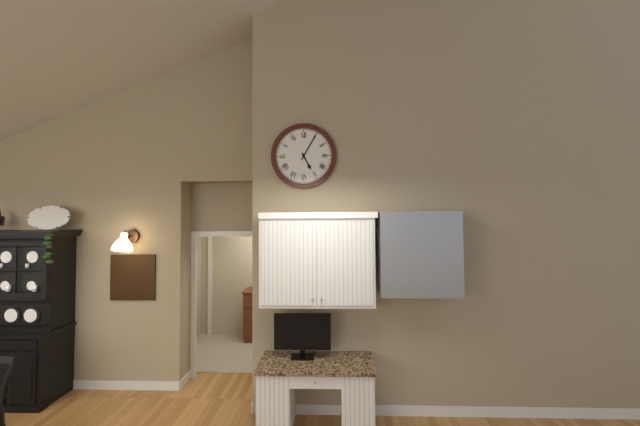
{"hour": 5, "minute": 5}
